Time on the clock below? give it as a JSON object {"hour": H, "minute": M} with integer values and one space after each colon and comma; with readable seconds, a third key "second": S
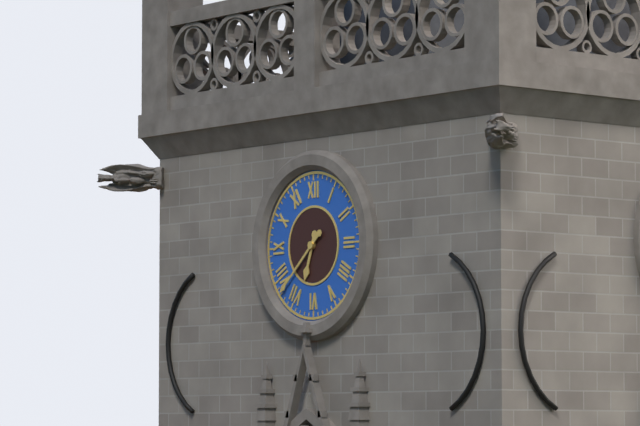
{"hour": 6, "minute": 38}
